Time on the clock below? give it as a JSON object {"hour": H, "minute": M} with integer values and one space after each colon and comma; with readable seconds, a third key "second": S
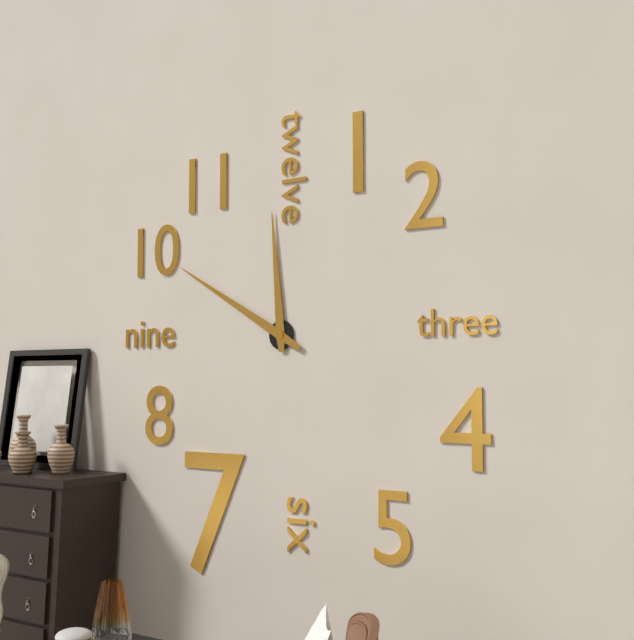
{"hour": 11, "minute": 50}
